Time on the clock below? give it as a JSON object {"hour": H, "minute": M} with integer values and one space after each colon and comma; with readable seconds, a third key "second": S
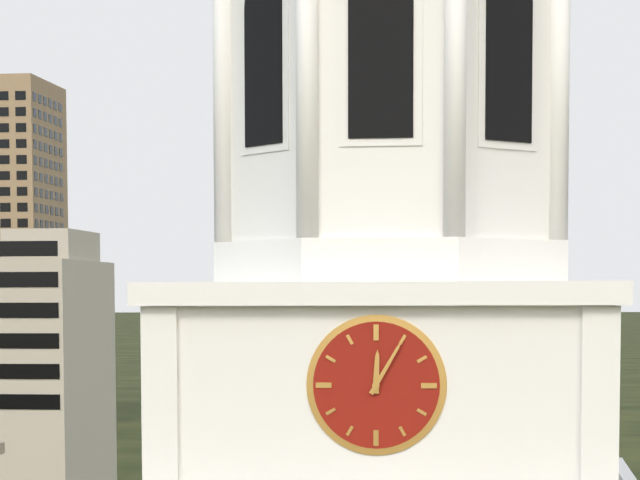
{"hour": 12, "minute": 5}
